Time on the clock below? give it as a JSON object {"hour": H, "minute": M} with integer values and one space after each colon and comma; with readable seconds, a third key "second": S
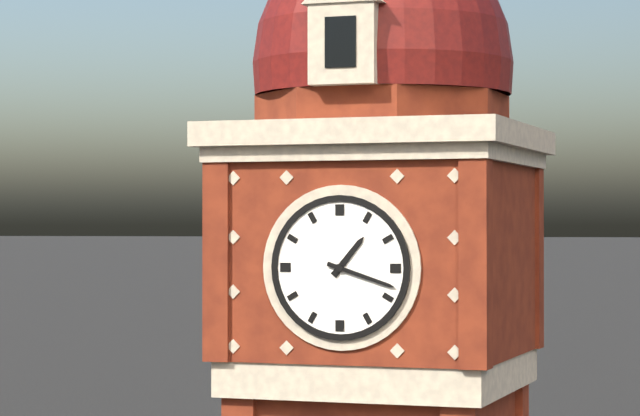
{"hour": 1, "minute": 18}
